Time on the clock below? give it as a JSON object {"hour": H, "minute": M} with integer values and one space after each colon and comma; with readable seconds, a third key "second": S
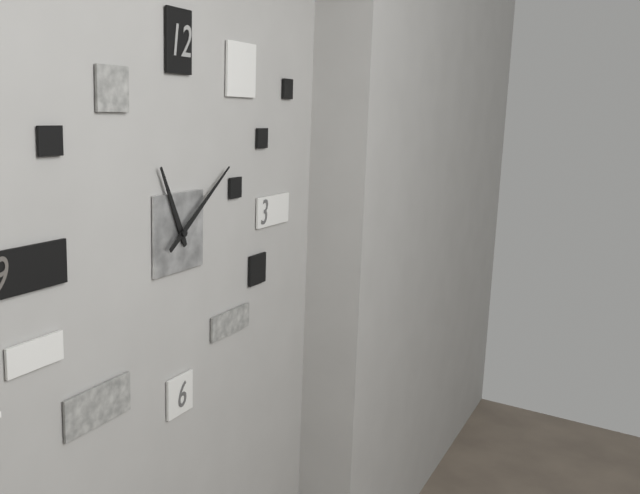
{"hour": 11, "minute": 9}
